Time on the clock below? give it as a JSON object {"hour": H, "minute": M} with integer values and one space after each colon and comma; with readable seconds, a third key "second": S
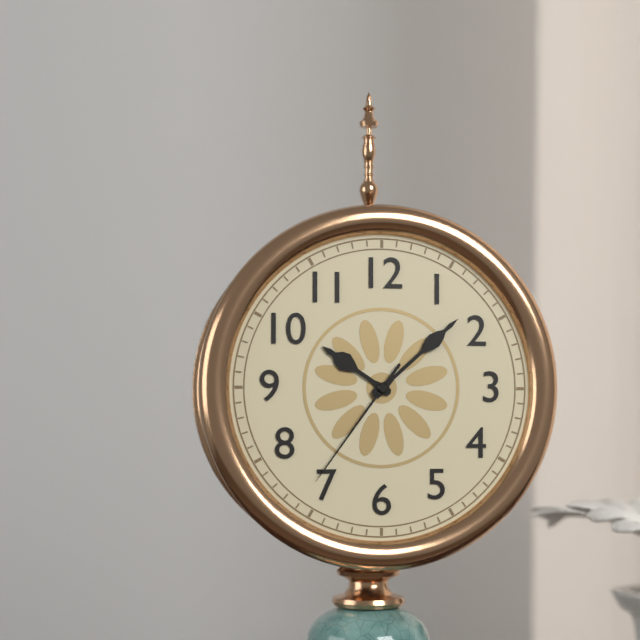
{"hour": 10, "minute": 8, "second": 36}
